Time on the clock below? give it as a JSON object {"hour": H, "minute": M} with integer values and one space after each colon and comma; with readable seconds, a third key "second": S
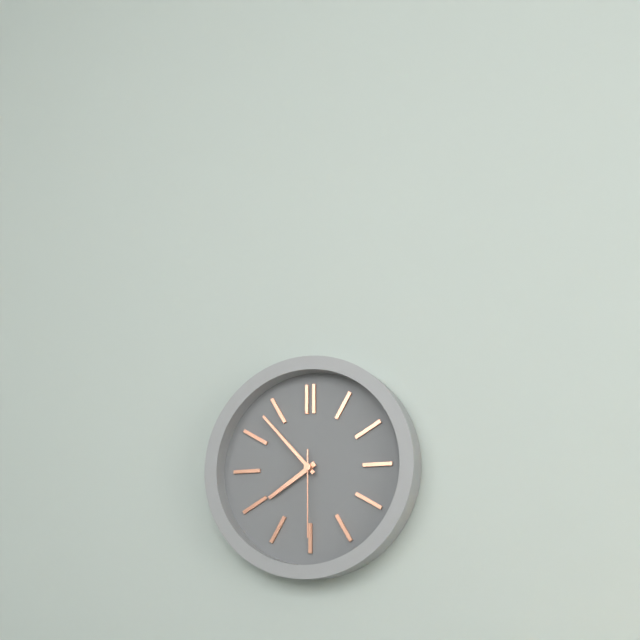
{"hour": 7, "minute": 53, "second": 30}
